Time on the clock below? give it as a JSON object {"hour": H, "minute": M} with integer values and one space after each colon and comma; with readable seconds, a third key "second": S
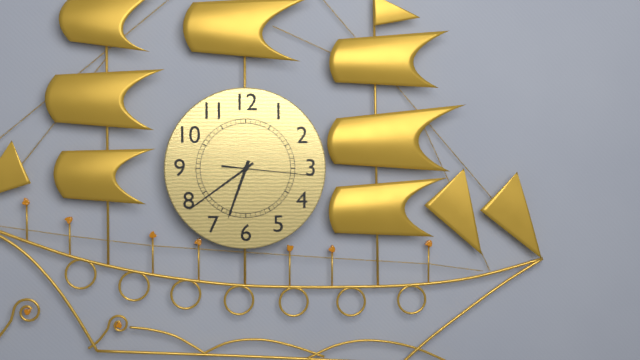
{"hour": 6, "minute": 39, "second": 16}
